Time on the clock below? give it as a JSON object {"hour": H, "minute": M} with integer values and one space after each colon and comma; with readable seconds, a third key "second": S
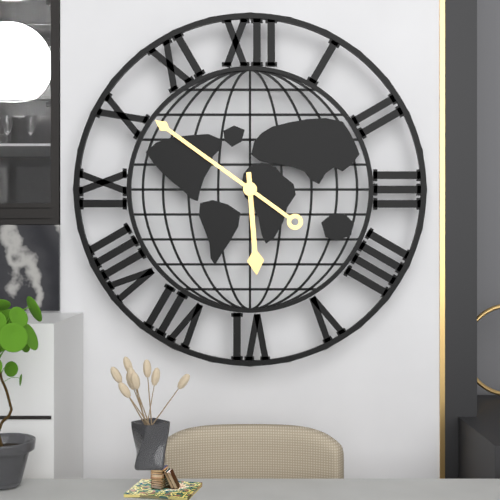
{"hour": 5, "minute": 51}
